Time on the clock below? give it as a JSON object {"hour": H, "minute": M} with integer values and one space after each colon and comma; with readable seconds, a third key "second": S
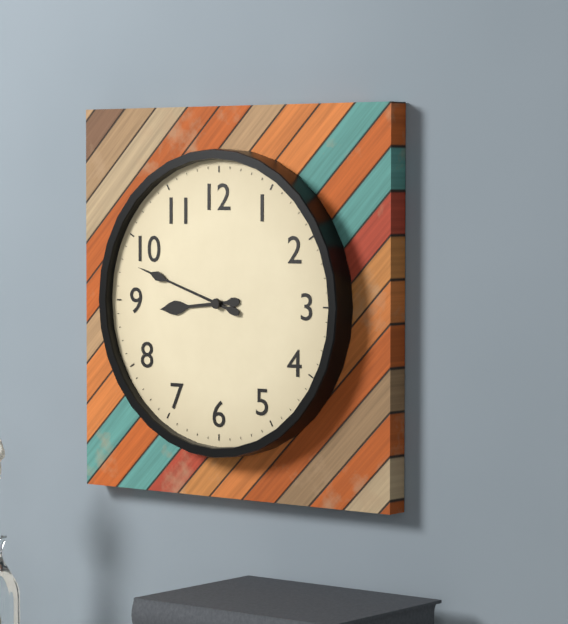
{"hour": 8, "minute": 48}
